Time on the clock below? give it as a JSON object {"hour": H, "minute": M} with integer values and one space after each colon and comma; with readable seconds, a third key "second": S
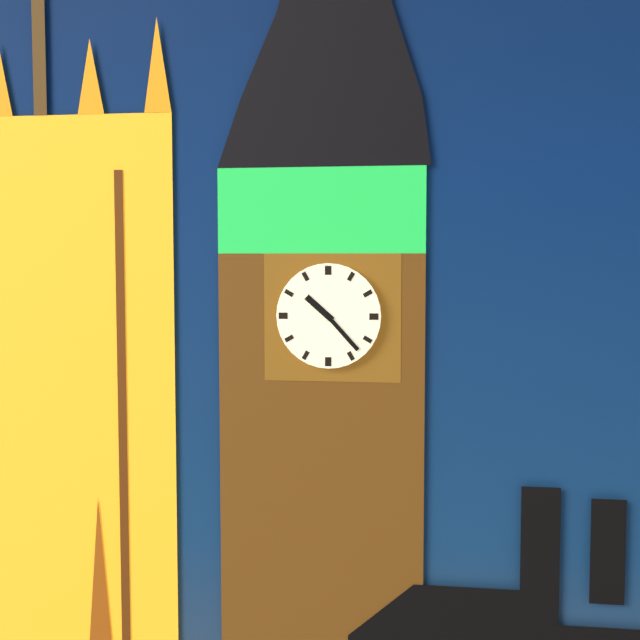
{"hour": 10, "minute": 23}
